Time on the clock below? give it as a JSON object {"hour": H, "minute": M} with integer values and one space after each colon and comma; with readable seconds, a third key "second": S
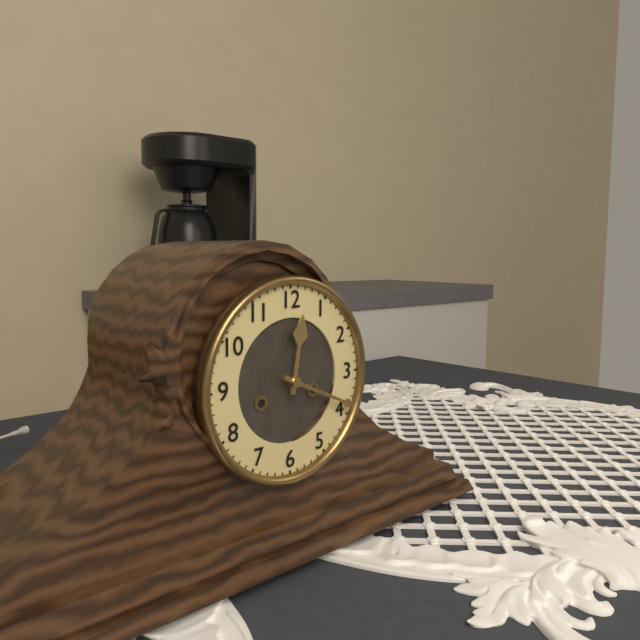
{"hour": 12, "minute": 19}
